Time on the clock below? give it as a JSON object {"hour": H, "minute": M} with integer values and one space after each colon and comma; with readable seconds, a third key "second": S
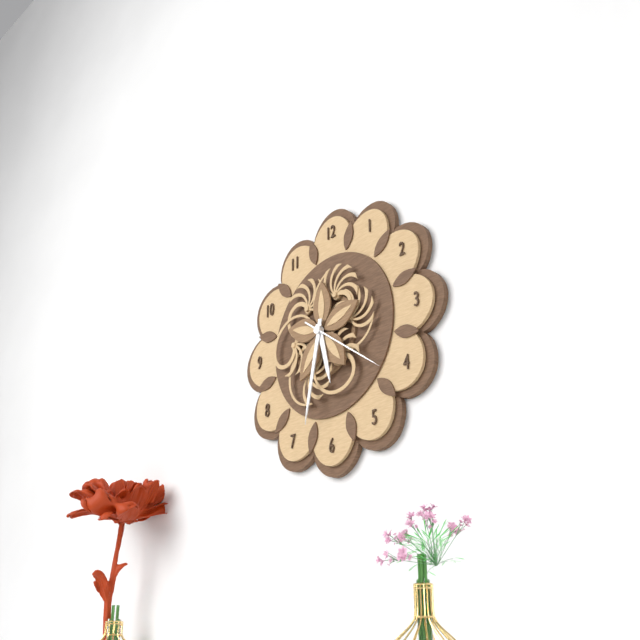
{"hour": 5, "minute": 32, "second": 21}
